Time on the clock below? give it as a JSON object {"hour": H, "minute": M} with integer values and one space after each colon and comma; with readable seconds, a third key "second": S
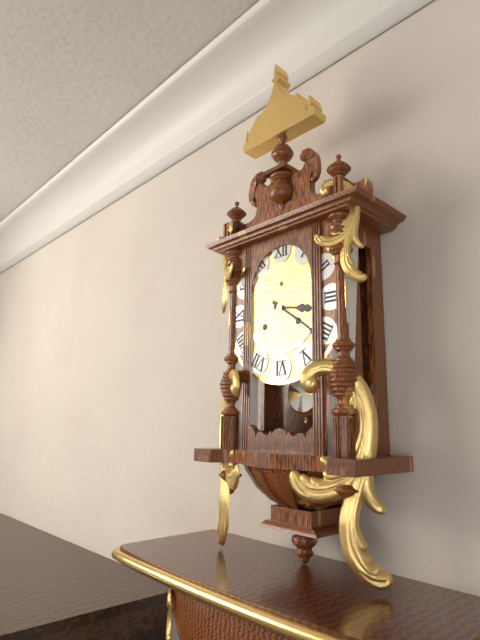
{"hour": 3, "minute": 21}
